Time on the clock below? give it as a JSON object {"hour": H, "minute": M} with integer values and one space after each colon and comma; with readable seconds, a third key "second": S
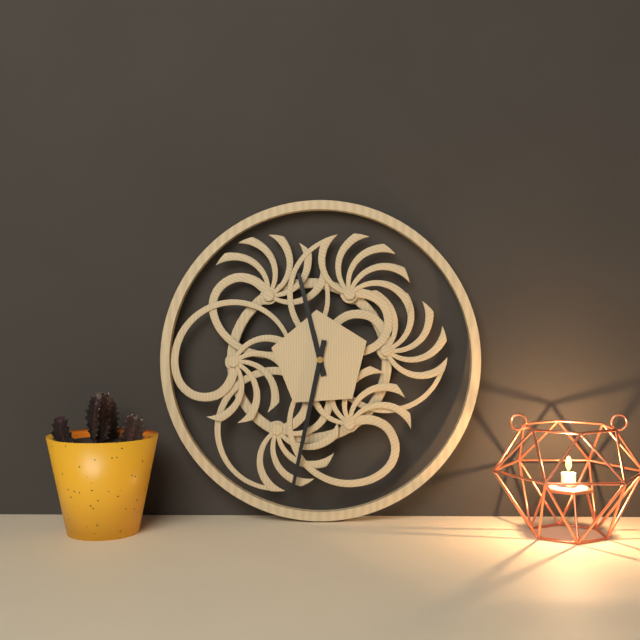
{"hour": 11, "minute": 32}
